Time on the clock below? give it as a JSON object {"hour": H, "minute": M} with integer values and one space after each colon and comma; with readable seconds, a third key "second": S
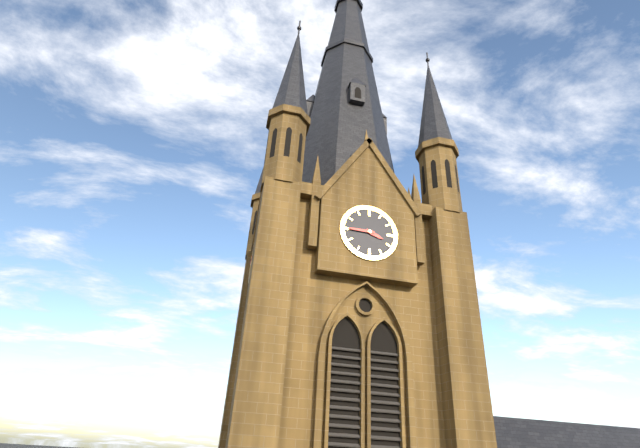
{"hour": 3, "minute": 45}
